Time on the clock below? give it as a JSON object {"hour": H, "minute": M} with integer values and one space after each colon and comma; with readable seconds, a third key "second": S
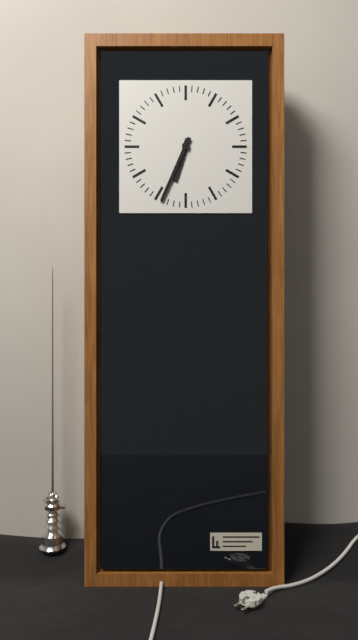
{"hour": 6, "minute": 34}
